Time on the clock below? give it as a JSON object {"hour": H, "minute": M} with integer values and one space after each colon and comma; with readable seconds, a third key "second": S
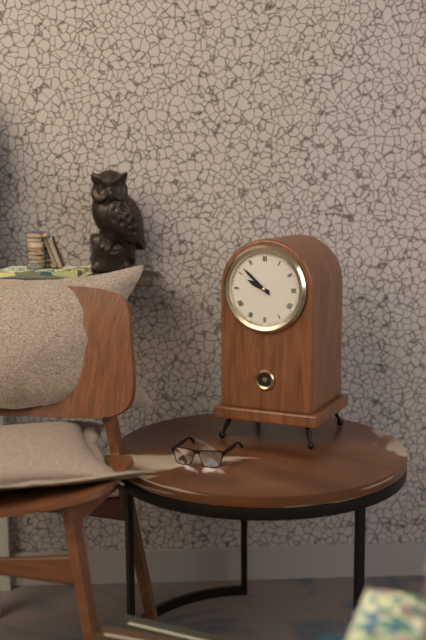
{"hour": 9, "minute": 52}
